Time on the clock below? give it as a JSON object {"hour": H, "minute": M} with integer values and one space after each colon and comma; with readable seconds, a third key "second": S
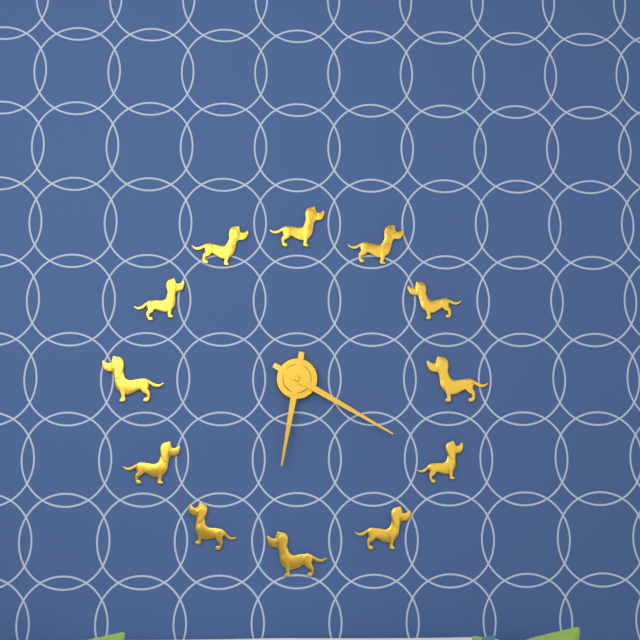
{"hour": 6, "minute": 20}
